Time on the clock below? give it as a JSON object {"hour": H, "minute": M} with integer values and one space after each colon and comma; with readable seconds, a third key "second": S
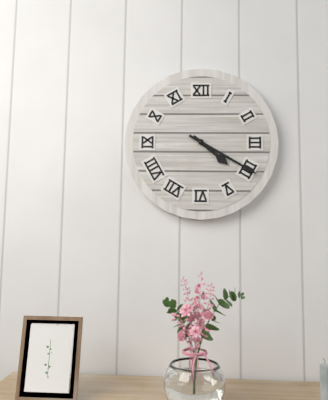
{"hour": 4, "minute": 20}
